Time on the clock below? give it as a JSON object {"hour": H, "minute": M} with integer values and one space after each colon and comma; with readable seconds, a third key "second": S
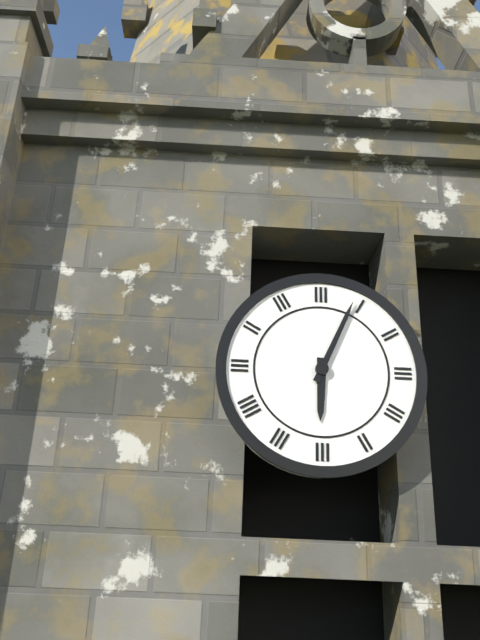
{"hour": 6, "minute": 4}
